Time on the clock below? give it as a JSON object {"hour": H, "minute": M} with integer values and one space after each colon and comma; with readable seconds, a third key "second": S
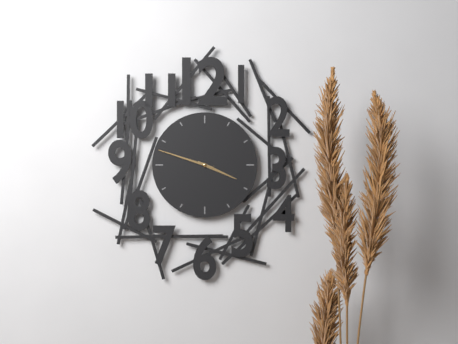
{"hour": 3, "minute": 48}
